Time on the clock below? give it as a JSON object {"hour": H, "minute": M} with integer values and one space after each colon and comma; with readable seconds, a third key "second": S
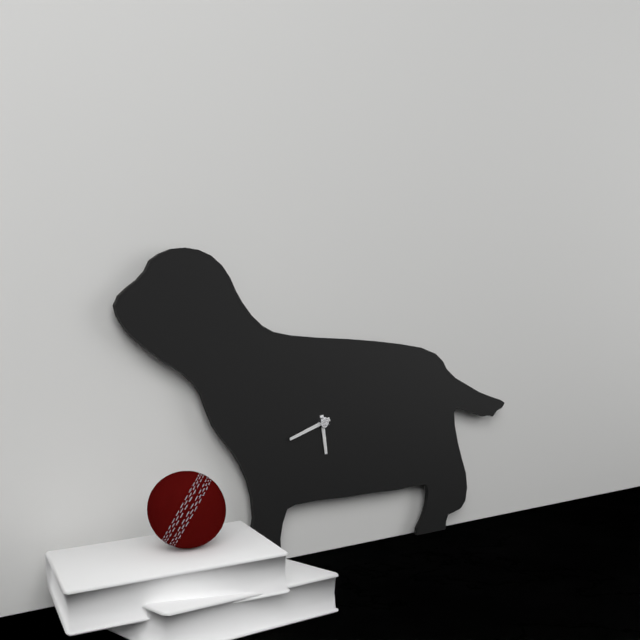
{"hour": 5, "minute": 42}
